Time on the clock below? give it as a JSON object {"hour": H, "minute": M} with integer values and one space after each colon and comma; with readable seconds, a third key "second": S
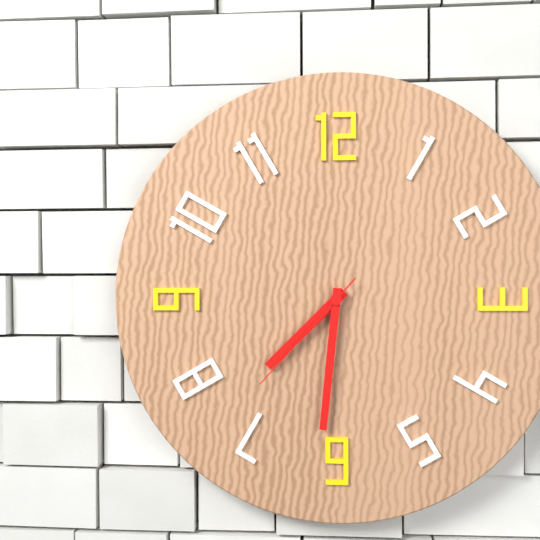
{"hour": 7, "minute": 31, "second": 37}
